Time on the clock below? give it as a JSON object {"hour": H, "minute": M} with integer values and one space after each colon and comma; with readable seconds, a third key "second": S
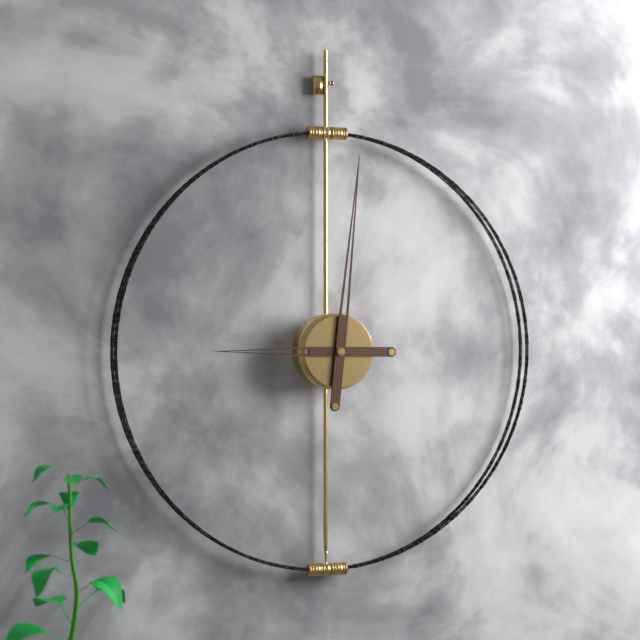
{"hour": 9, "minute": 1}
